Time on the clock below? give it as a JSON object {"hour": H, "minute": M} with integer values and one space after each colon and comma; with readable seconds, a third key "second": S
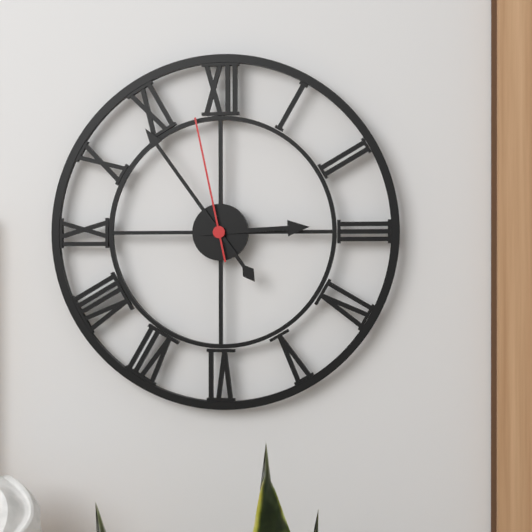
{"hour": 2, "minute": 54, "second": 58}
